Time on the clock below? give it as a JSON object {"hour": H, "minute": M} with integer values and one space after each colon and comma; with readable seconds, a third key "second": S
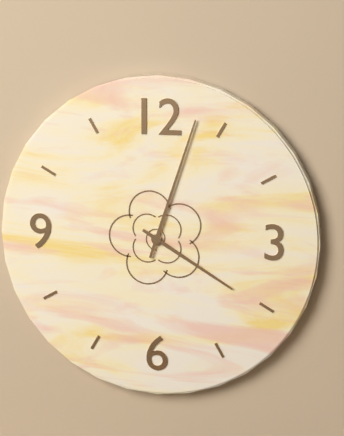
{"hour": 4, "minute": 3}
